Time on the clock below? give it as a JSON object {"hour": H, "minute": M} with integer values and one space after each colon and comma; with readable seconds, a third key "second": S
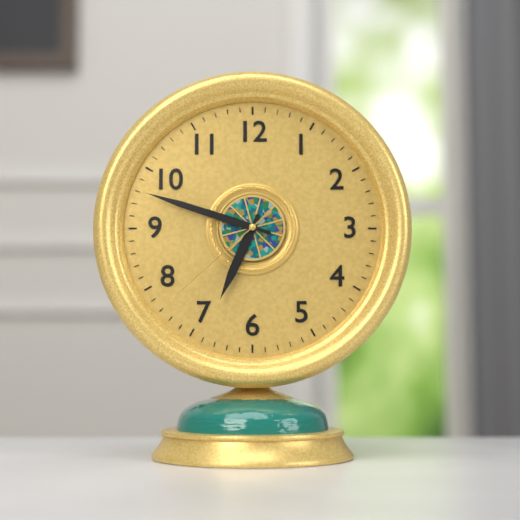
{"hour": 6, "minute": 48, "second": 38}
